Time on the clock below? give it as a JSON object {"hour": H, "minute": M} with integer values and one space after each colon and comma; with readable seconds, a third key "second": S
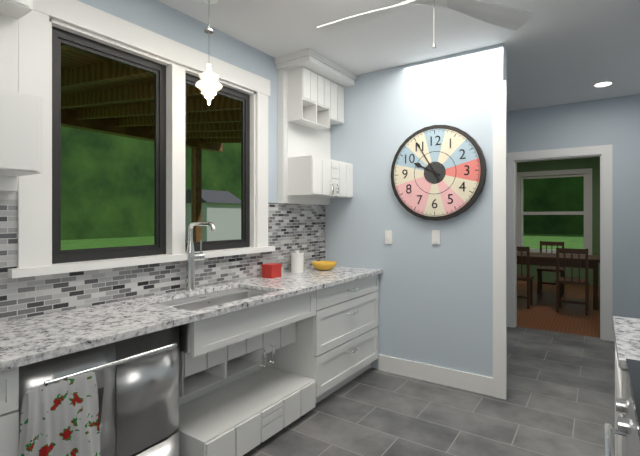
{"hour": 9, "minute": 55}
